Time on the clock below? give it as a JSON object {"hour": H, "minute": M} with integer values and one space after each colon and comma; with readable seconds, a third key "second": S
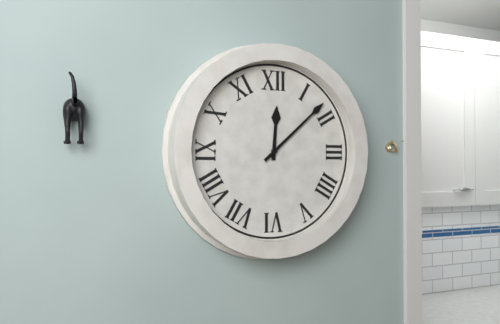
{"hour": 12, "minute": 8}
